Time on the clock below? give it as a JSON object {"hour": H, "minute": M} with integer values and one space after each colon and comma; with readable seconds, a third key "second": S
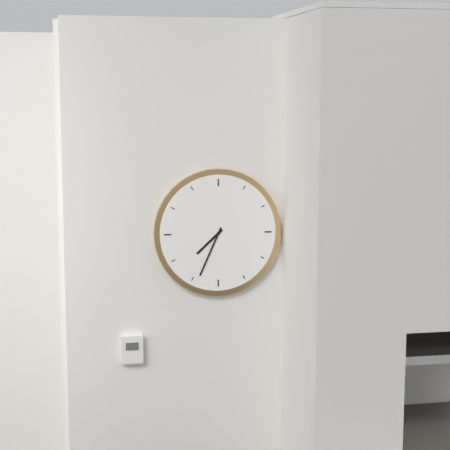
{"hour": 7, "minute": 34}
